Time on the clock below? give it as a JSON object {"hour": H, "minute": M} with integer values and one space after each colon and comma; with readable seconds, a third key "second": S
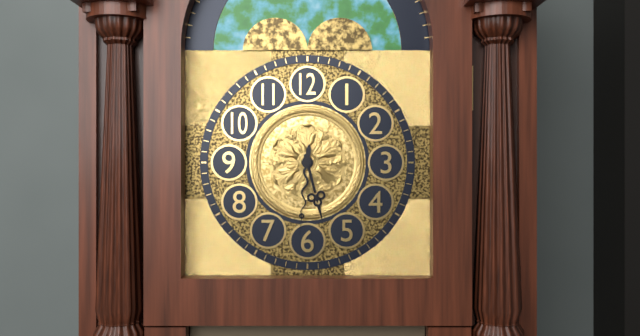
{"hour": 5, "minute": 31}
